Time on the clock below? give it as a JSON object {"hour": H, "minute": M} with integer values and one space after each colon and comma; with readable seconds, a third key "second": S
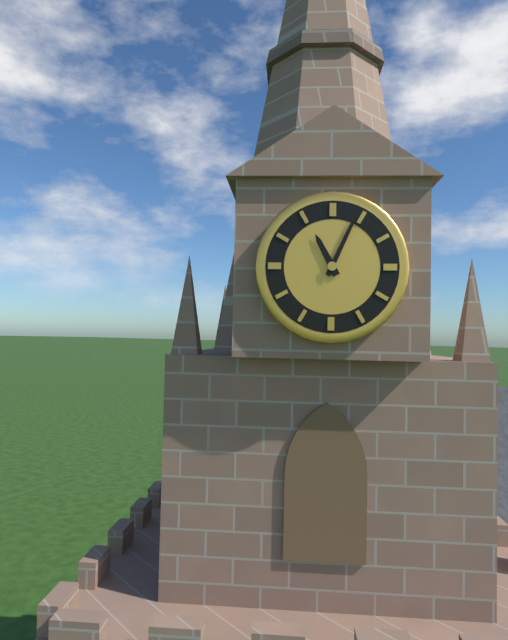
{"hour": 11, "minute": 4}
